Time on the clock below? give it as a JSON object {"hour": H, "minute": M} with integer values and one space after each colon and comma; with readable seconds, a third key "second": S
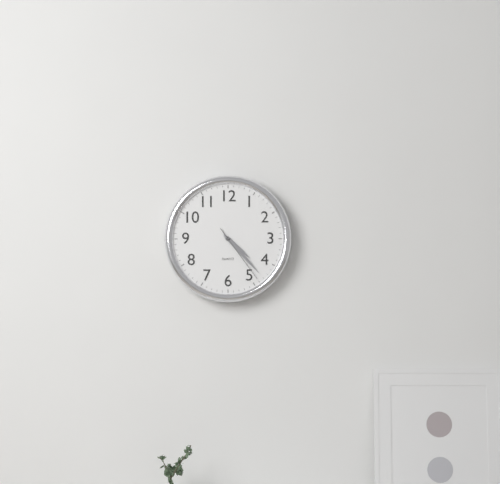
{"hour": 4, "minute": 23, "second": 24}
